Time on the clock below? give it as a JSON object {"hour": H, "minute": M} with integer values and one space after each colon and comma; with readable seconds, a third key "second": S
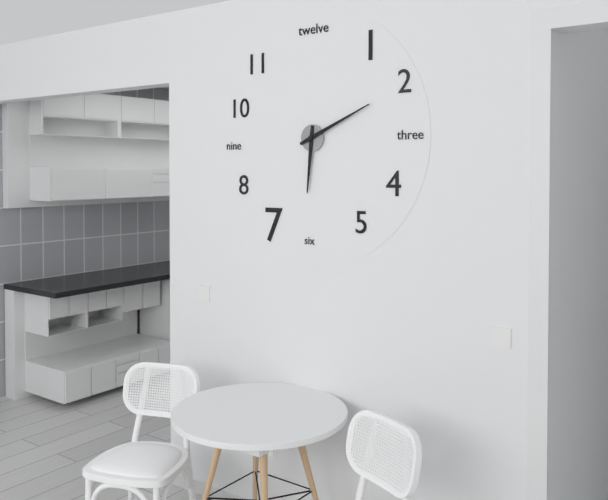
{"hour": 6, "minute": 11}
